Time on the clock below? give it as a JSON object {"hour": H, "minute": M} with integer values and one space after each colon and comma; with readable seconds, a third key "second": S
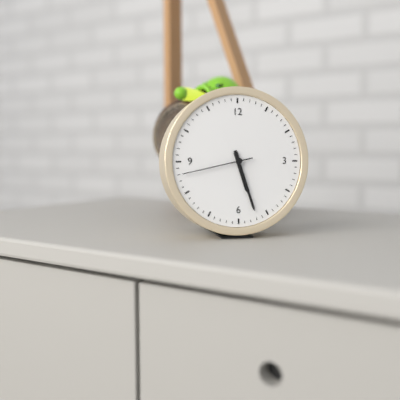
{"hour": 5, "minute": 27, "second": 43}
